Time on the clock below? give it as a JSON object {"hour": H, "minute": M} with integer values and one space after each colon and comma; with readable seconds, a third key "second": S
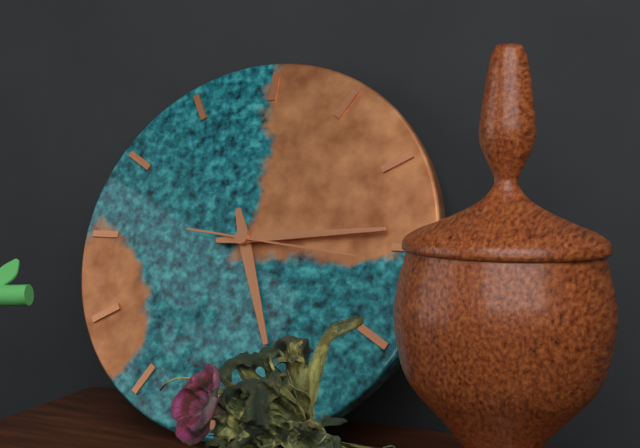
{"hour": 5, "minute": 14, "second": 16}
